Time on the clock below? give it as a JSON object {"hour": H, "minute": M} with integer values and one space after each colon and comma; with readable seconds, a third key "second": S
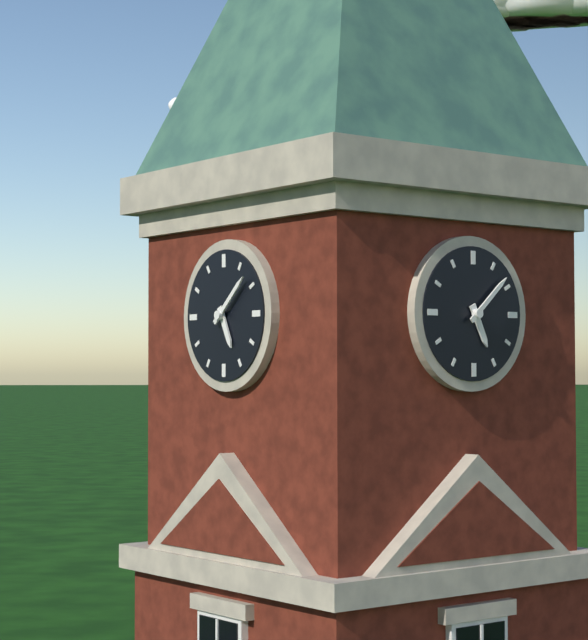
{"hour": 5, "minute": 8}
